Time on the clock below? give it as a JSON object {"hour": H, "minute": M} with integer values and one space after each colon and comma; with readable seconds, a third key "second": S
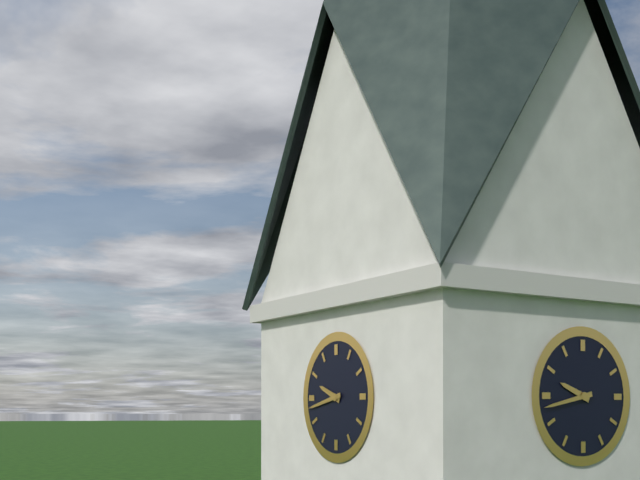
{"hour": 9, "minute": 43}
